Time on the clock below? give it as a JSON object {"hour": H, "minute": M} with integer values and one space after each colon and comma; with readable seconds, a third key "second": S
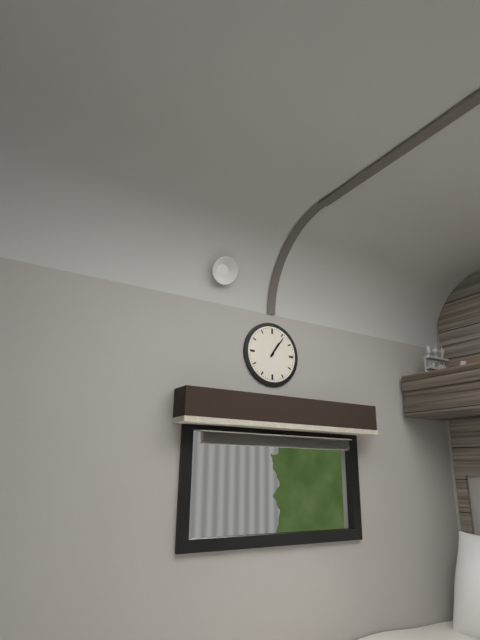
{"hour": 1, "minute": 6}
